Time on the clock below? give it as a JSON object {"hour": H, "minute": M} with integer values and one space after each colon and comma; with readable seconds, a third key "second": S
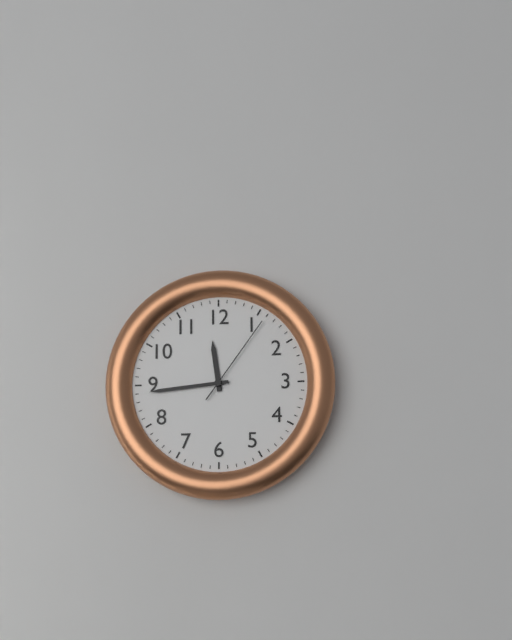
{"hour": 11, "minute": 44, "second": 6}
